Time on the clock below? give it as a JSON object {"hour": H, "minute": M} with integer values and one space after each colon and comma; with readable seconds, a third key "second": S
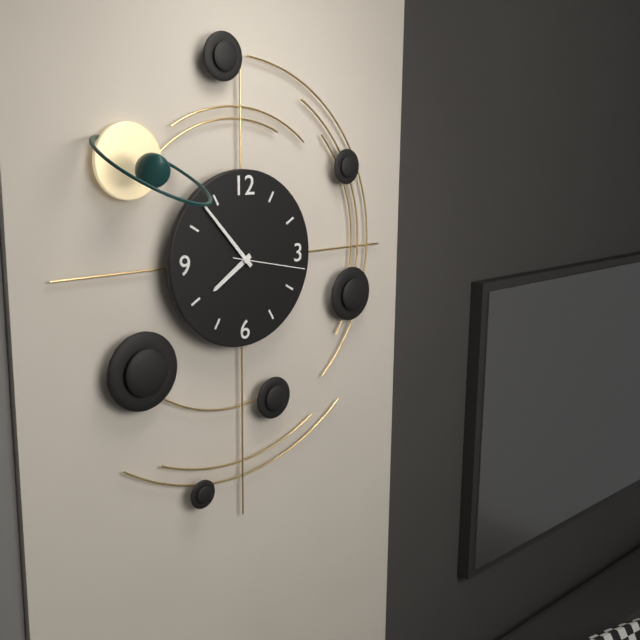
{"hour": 7, "minute": 53, "second": 17}
